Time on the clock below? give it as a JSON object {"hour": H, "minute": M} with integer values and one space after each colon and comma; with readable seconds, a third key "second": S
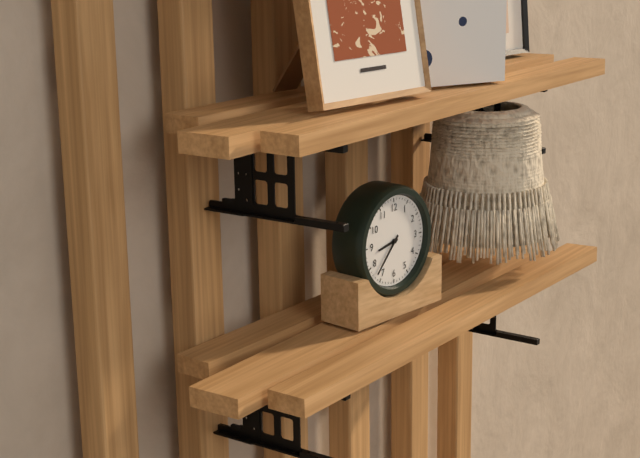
{"hour": 8, "minute": 37}
